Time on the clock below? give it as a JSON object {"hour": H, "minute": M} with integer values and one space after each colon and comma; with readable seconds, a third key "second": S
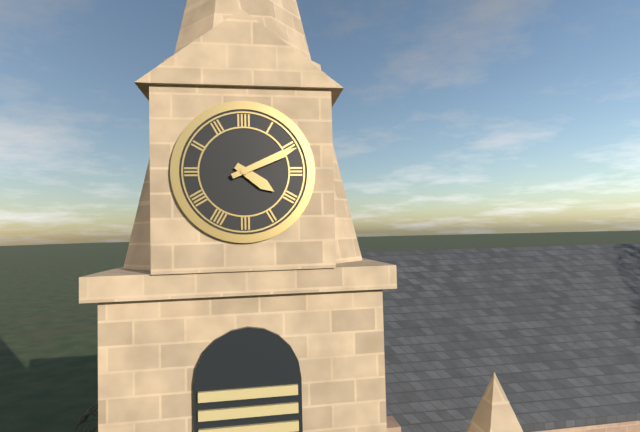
{"hour": 4, "minute": 11}
